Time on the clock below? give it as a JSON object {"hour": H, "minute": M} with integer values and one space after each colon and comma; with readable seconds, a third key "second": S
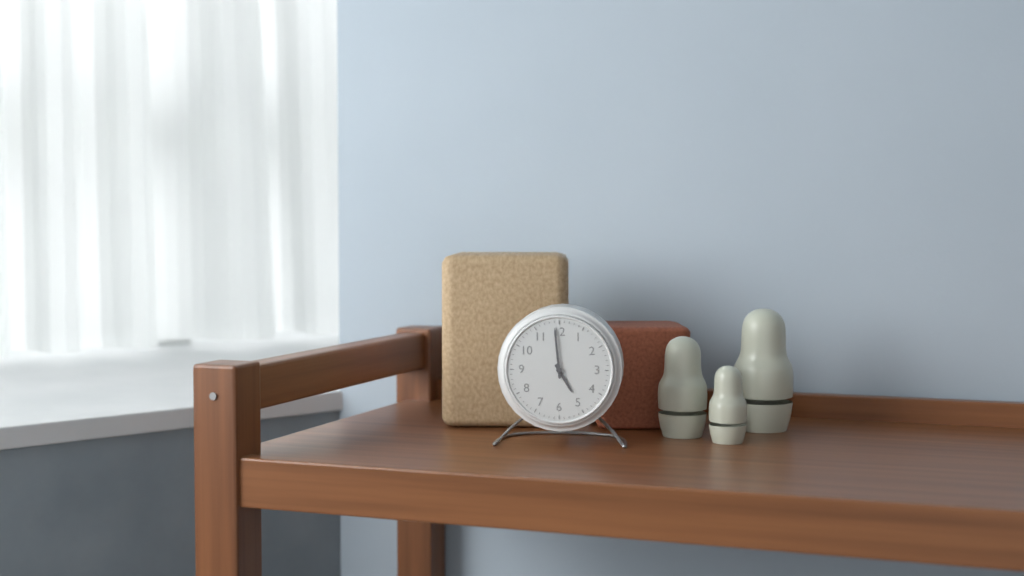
{"hour": 4, "minute": 59}
